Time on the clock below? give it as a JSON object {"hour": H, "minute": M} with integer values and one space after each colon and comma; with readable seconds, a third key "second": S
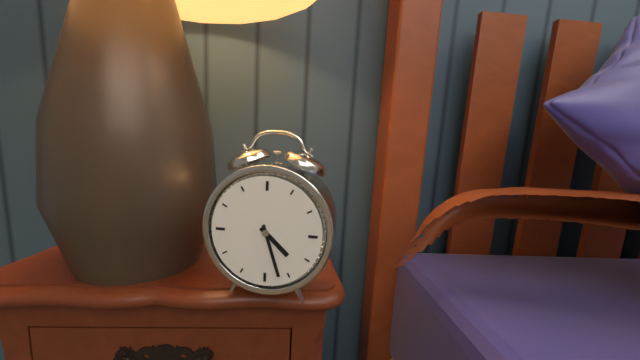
{"hour": 4, "minute": 27}
